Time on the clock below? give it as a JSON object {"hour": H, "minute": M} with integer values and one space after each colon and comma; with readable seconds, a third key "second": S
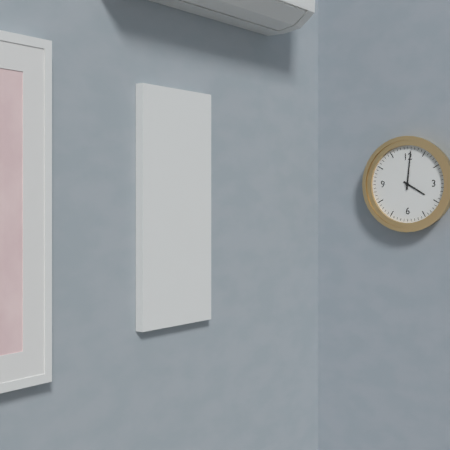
{"hour": 4, "minute": 1}
